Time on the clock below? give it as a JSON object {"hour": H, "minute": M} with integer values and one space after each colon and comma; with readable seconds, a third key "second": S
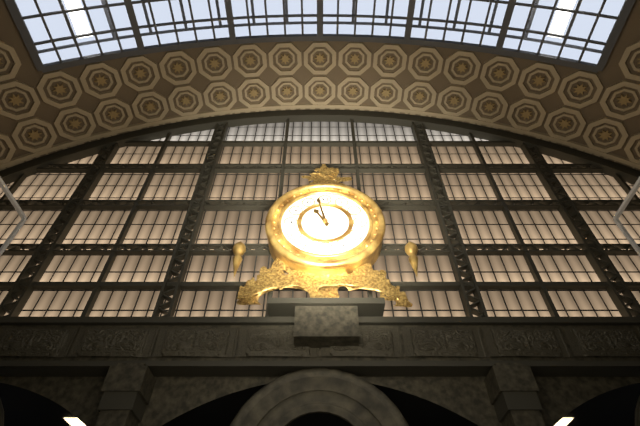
{"hour": 10, "minute": 58}
